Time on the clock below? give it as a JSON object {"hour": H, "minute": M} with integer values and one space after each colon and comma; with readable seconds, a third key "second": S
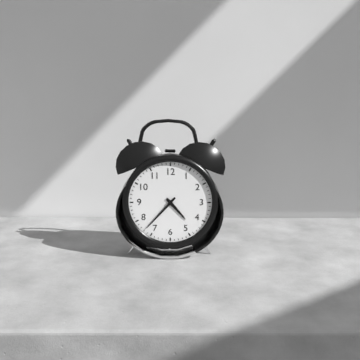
{"hour": 4, "minute": 37}
